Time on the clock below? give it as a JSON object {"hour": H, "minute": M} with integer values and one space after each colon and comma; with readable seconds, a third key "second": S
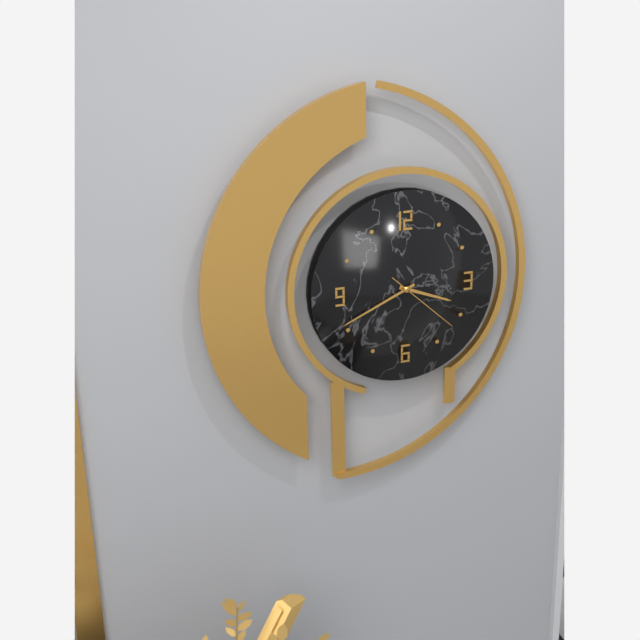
{"hour": 3, "minute": 41, "second": 22}
